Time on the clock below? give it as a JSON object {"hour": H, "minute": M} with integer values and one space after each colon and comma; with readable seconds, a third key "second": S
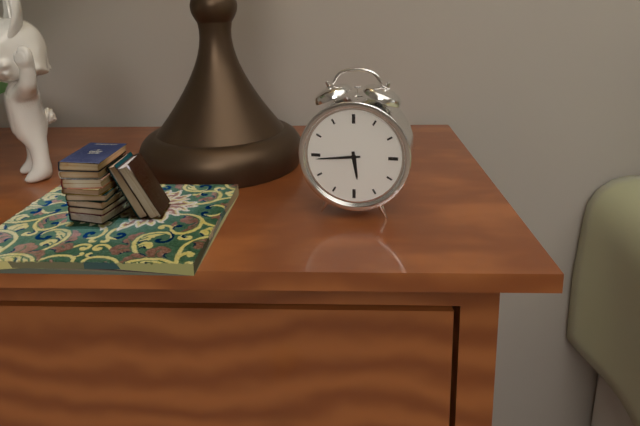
{"hour": 5, "minute": 44}
